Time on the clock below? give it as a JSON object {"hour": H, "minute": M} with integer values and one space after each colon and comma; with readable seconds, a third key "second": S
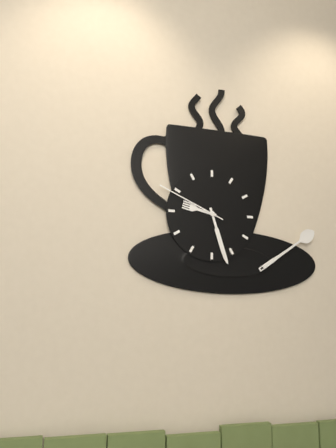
{"hour": 9, "minute": 27, "second": 49}
